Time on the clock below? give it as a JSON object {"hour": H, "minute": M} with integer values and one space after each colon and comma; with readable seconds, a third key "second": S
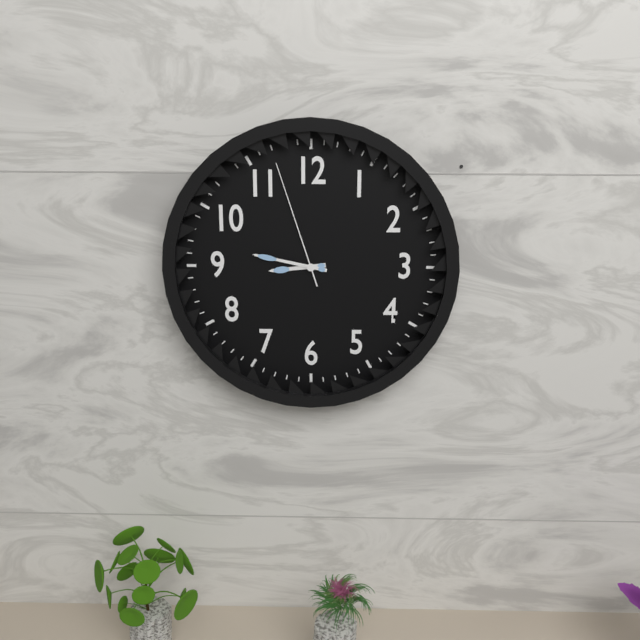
{"hour": 8, "minute": 47, "second": 57}
